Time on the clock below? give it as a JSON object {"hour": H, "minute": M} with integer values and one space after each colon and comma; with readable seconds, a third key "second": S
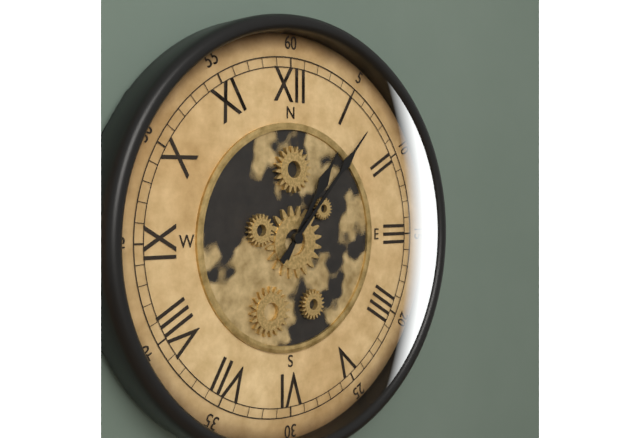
{"hour": 1, "minute": 7}
